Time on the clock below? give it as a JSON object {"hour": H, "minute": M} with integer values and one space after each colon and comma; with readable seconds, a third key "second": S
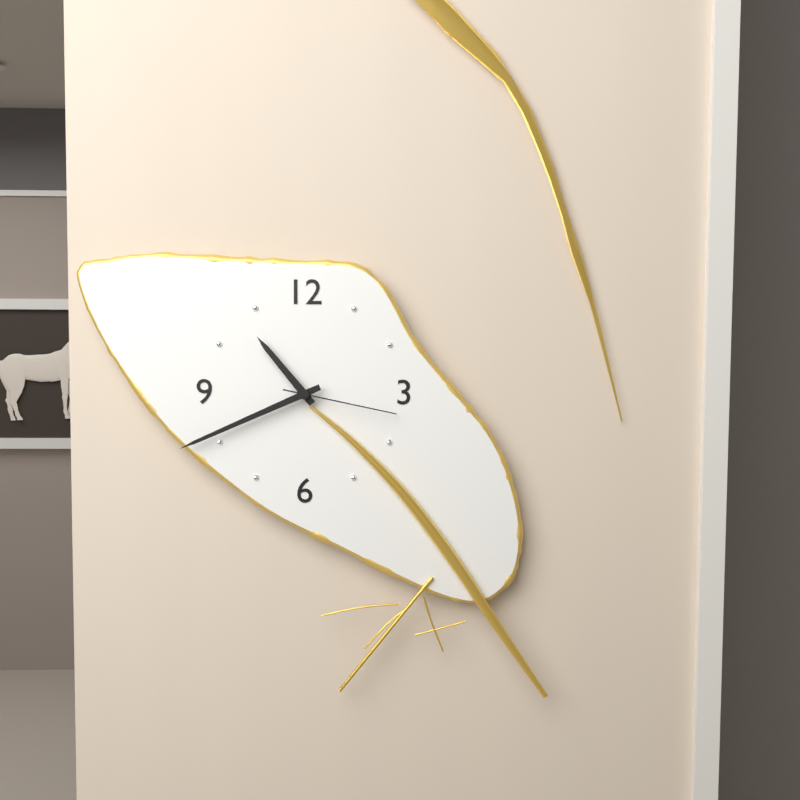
{"hour": 10, "minute": 41, "second": 17}
